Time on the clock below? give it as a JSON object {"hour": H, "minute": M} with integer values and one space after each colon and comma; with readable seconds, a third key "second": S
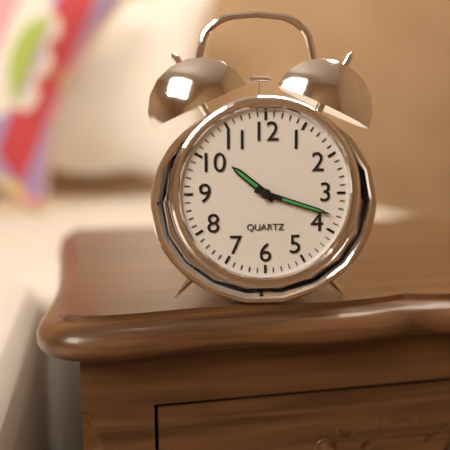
{"hour": 10, "minute": 18}
